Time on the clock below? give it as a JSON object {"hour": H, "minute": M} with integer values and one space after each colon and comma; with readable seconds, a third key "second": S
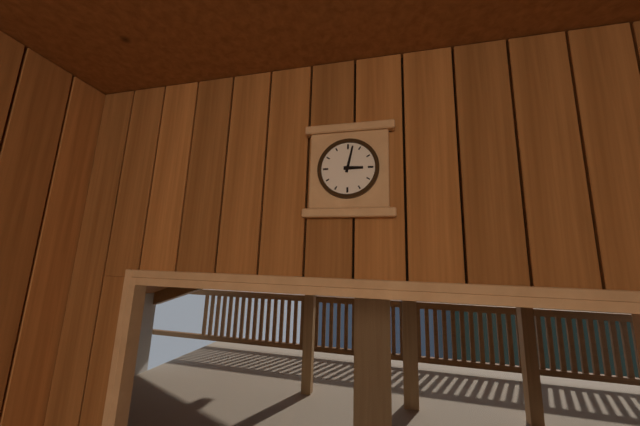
{"hour": 3, "minute": 2}
